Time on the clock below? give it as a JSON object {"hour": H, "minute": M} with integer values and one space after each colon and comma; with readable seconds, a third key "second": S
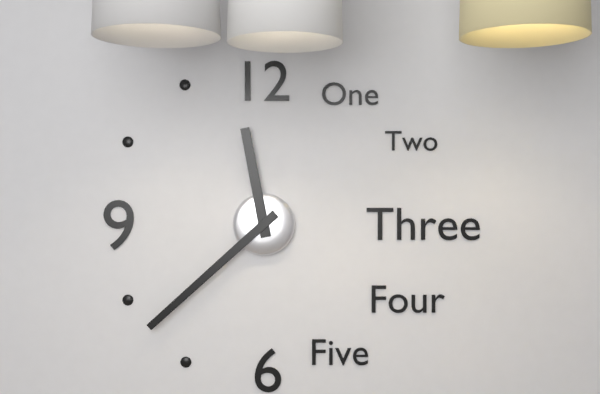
{"hour": 11, "minute": 38}
